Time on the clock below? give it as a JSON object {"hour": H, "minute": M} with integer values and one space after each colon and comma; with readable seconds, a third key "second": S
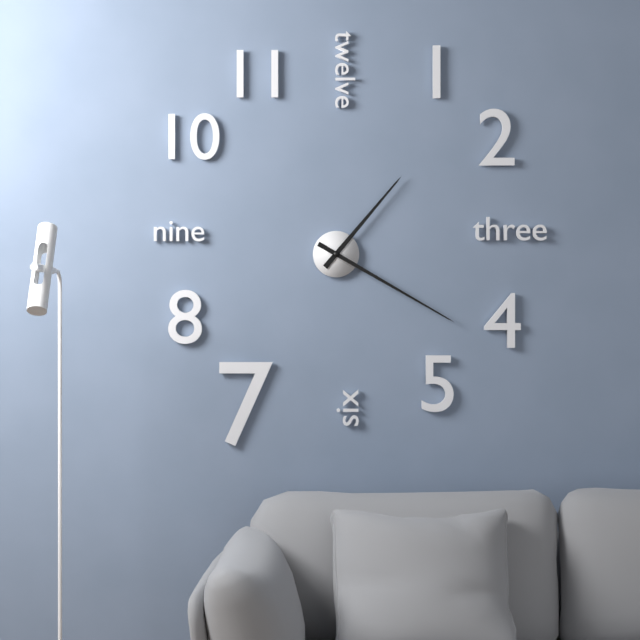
{"hour": 1, "minute": 20}
